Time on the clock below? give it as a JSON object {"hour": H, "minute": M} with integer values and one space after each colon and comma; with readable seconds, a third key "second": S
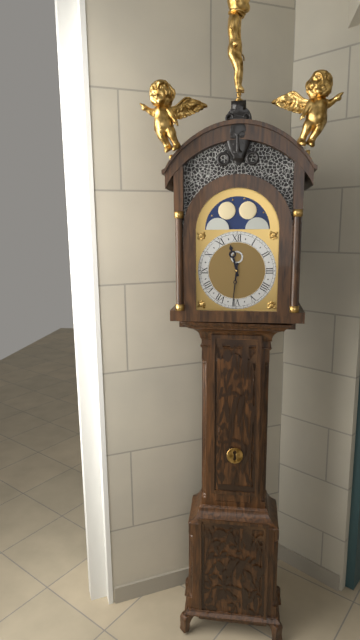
{"hour": 11, "minute": 31}
